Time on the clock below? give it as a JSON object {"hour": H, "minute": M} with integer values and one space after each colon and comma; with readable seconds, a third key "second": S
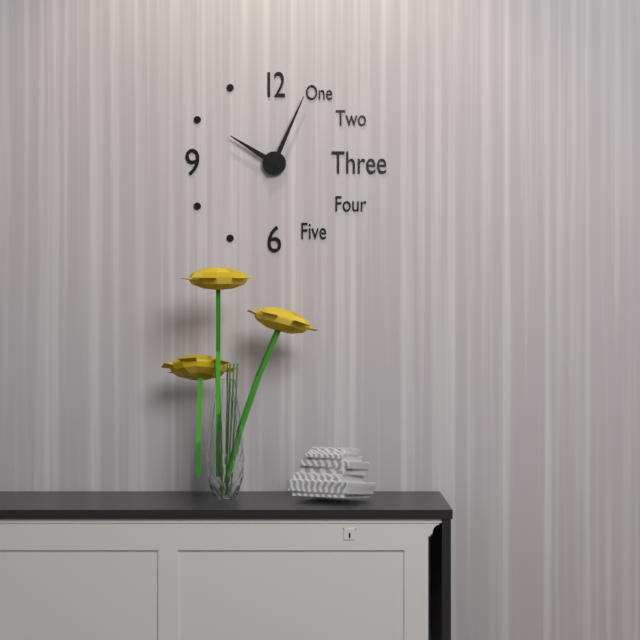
{"hour": 10, "minute": 4}
